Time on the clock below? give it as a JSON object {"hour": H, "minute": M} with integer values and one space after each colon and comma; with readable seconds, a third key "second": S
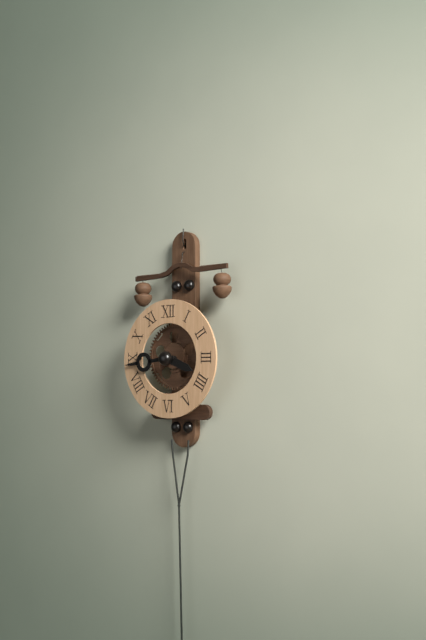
{"hour": 3, "minute": 44}
